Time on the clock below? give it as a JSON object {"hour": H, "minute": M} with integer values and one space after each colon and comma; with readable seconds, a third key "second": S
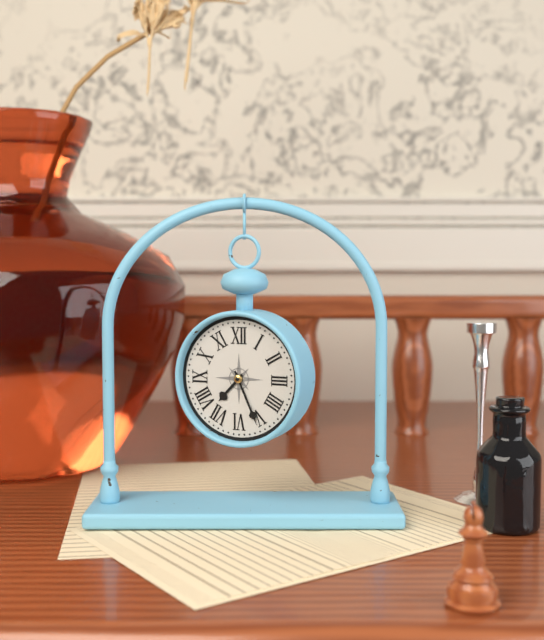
{"hour": 7, "minute": 26}
